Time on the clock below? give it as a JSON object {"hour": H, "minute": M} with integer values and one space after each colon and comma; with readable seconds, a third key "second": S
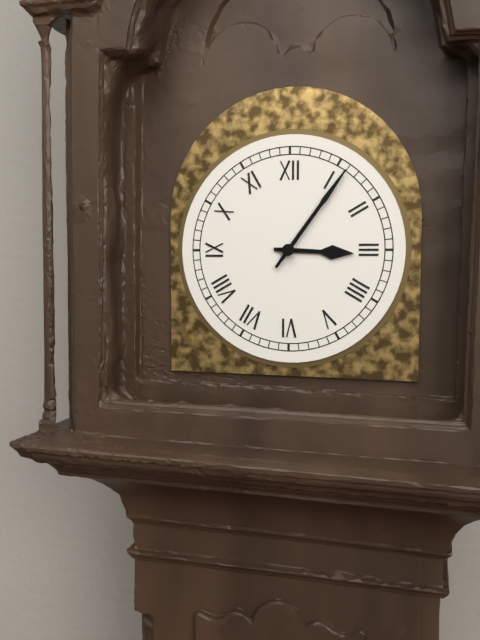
{"hour": 3, "minute": 6}
